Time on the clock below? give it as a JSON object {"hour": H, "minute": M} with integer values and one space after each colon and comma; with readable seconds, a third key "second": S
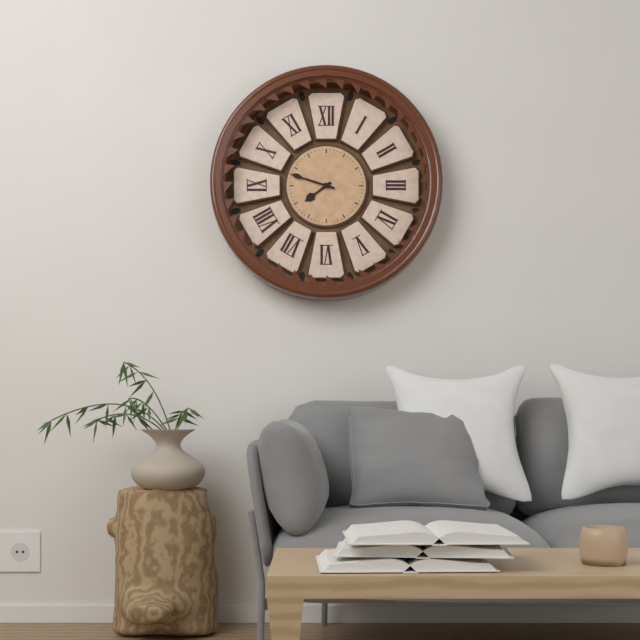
{"hour": 7, "minute": 48}
